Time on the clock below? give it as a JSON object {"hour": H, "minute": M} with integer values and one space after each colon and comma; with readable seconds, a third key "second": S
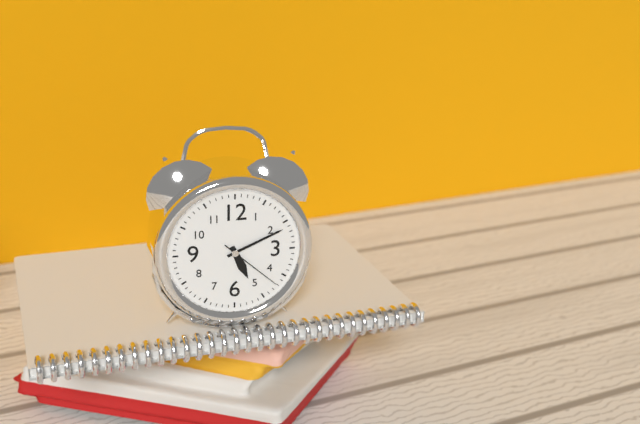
{"hour": 5, "minute": 11, "second": 22}
